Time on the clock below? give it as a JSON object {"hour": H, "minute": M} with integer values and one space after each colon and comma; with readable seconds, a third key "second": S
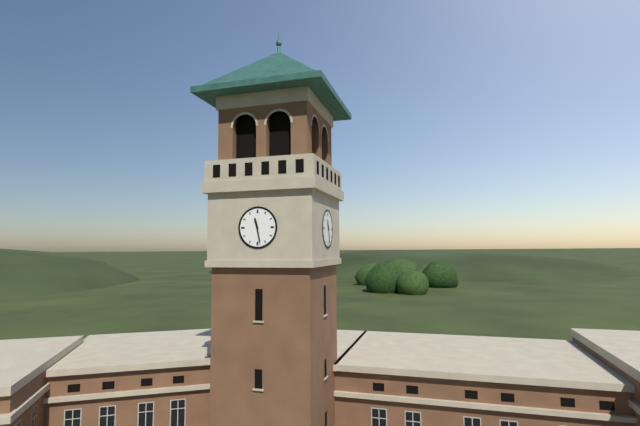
{"hour": 11, "minute": 28}
